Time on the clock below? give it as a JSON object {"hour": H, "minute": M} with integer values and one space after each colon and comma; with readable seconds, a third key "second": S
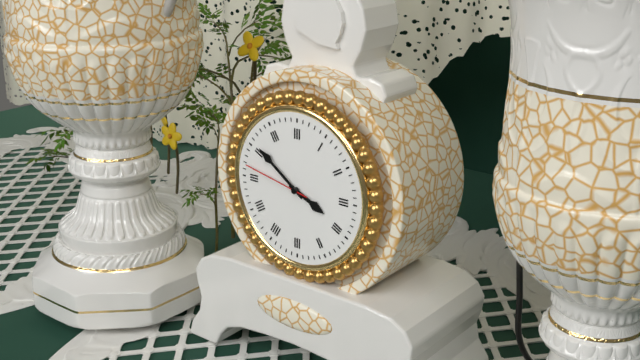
{"hour": 3, "minute": 51, "second": 47}
